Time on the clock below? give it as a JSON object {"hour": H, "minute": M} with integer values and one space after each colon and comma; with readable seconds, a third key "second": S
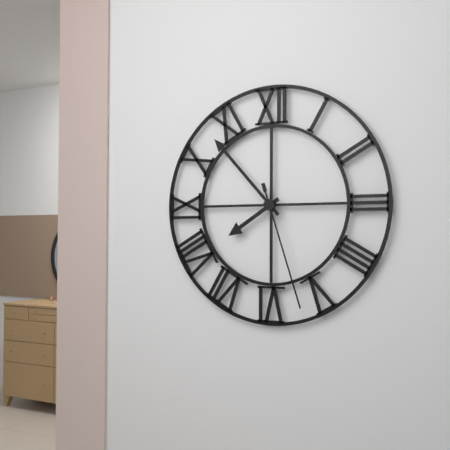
{"hour": 7, "minute": 53, "second": 27}
